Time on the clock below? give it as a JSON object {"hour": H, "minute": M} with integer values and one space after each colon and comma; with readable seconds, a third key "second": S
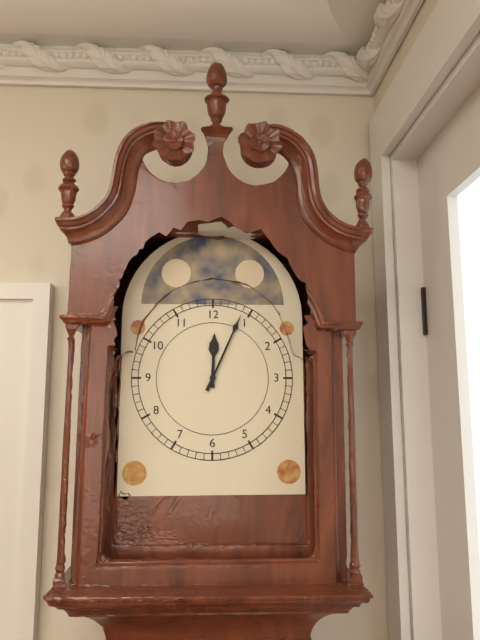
{"hour": 12, "minute": 4}
